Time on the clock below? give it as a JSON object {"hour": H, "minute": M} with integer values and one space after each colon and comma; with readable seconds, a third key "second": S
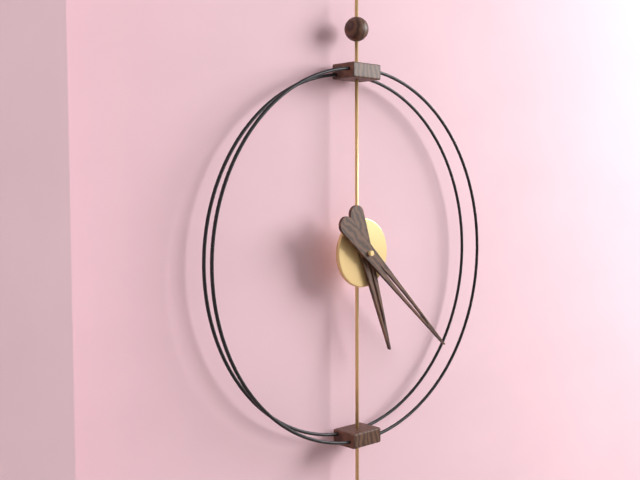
{"hour": 5, "minute": 22}
